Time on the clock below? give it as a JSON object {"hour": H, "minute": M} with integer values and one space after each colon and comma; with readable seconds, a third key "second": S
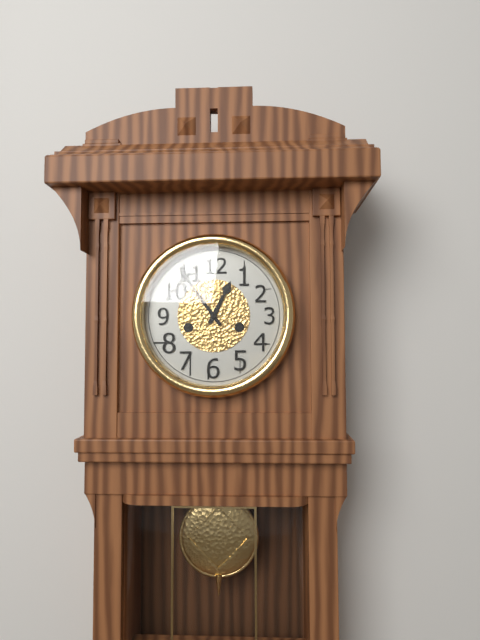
{"hour": 12, "minute": 54}
